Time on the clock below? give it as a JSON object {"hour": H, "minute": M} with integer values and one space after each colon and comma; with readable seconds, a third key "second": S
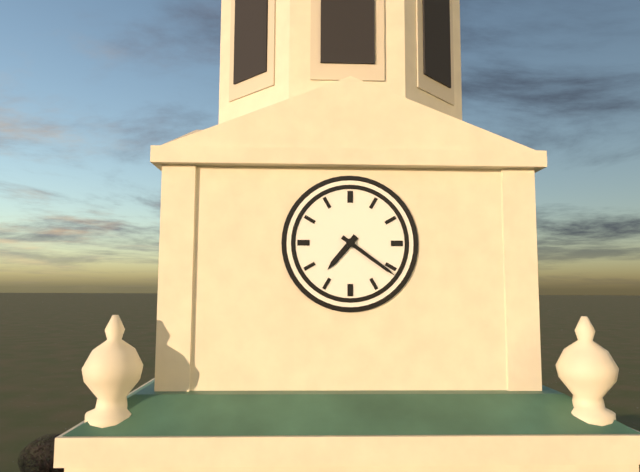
{"hour": 7, "minute": 21}
